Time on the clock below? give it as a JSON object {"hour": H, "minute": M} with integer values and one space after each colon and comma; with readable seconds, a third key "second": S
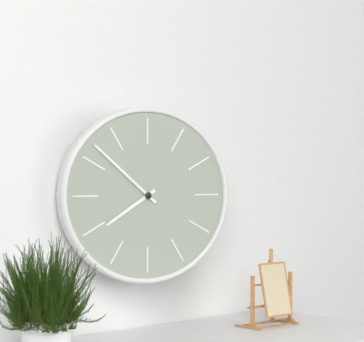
{"hour": 7, "minute": 52}
